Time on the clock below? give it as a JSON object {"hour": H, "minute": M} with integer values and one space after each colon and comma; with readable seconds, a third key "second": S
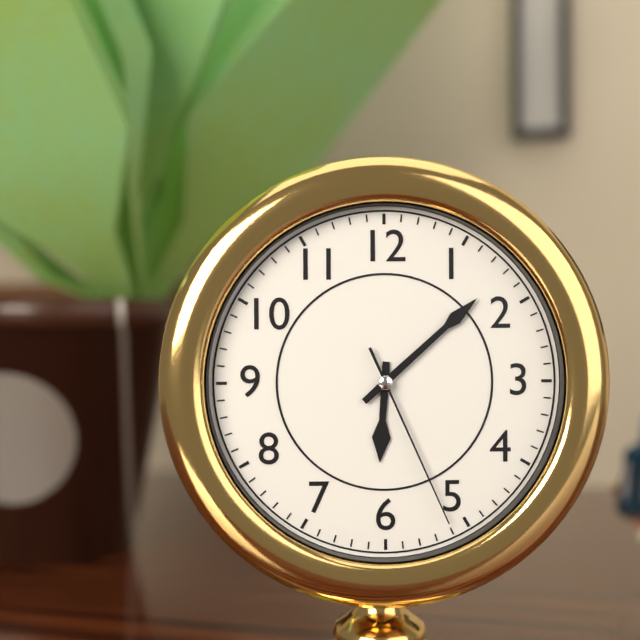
{"hour": 6, "minute": 8, "second": 26}
